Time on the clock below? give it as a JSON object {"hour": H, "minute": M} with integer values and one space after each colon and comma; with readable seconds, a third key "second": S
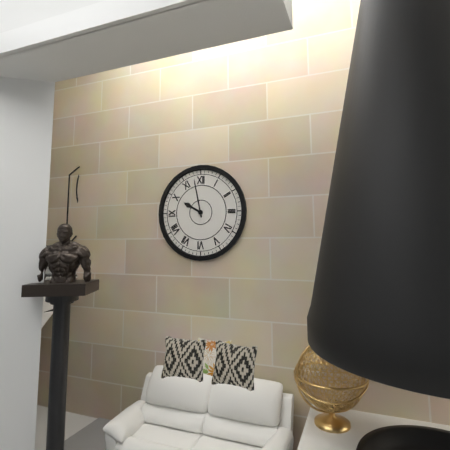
{"hour": 9, "minute": 58}
